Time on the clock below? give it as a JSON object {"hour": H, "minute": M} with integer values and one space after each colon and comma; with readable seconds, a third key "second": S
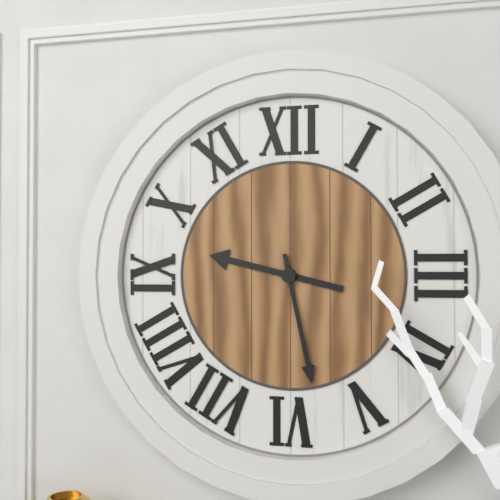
{"hour": 9, "minute": 28}
